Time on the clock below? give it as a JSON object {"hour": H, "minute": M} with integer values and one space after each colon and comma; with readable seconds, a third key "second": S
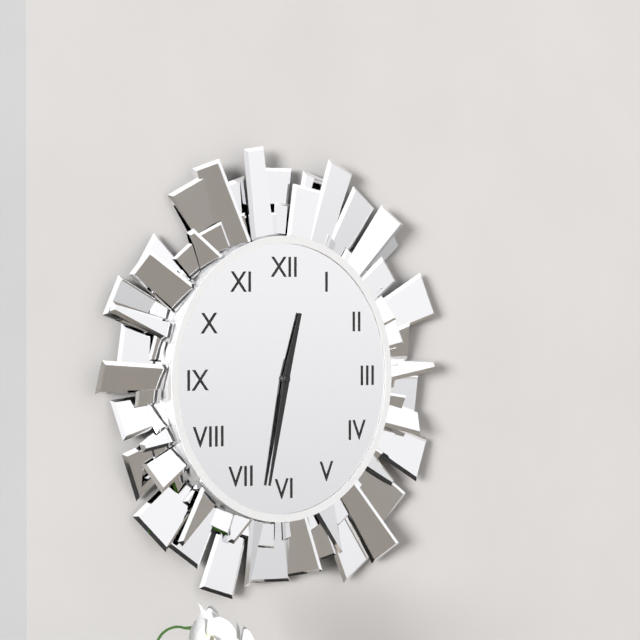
{"hour": 12, "minute": 32}
